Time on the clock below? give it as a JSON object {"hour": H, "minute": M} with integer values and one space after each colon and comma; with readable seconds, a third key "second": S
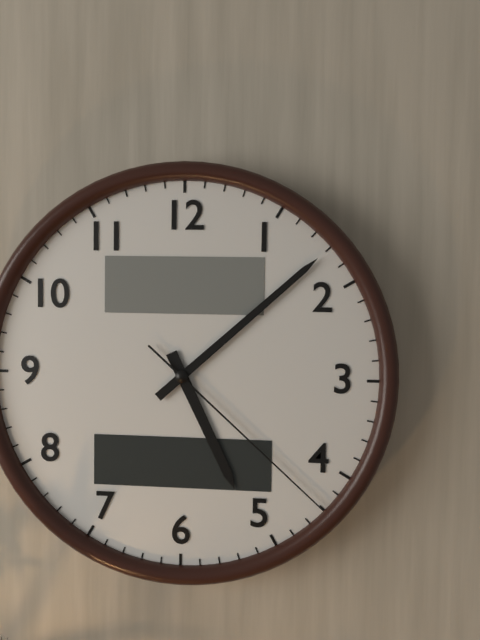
{"hour": 5, "minute": 8, "second": 22}
